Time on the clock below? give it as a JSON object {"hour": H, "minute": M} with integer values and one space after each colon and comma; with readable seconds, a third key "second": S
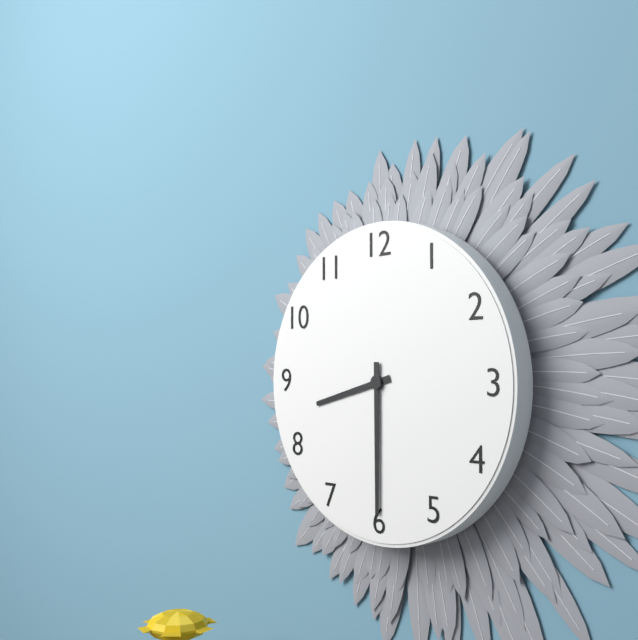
{"hour": 8, "minute": 30}
